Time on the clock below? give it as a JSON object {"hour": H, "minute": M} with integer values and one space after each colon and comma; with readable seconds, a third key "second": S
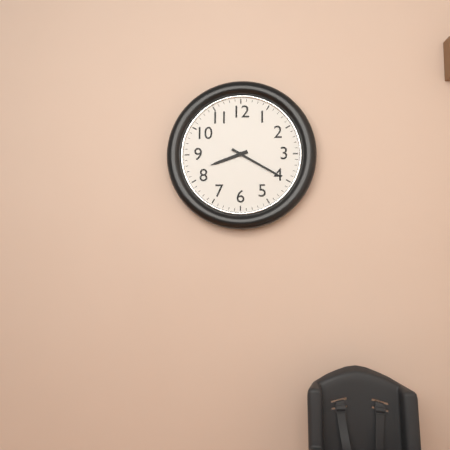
{"hour": 8, "minute": 20}
